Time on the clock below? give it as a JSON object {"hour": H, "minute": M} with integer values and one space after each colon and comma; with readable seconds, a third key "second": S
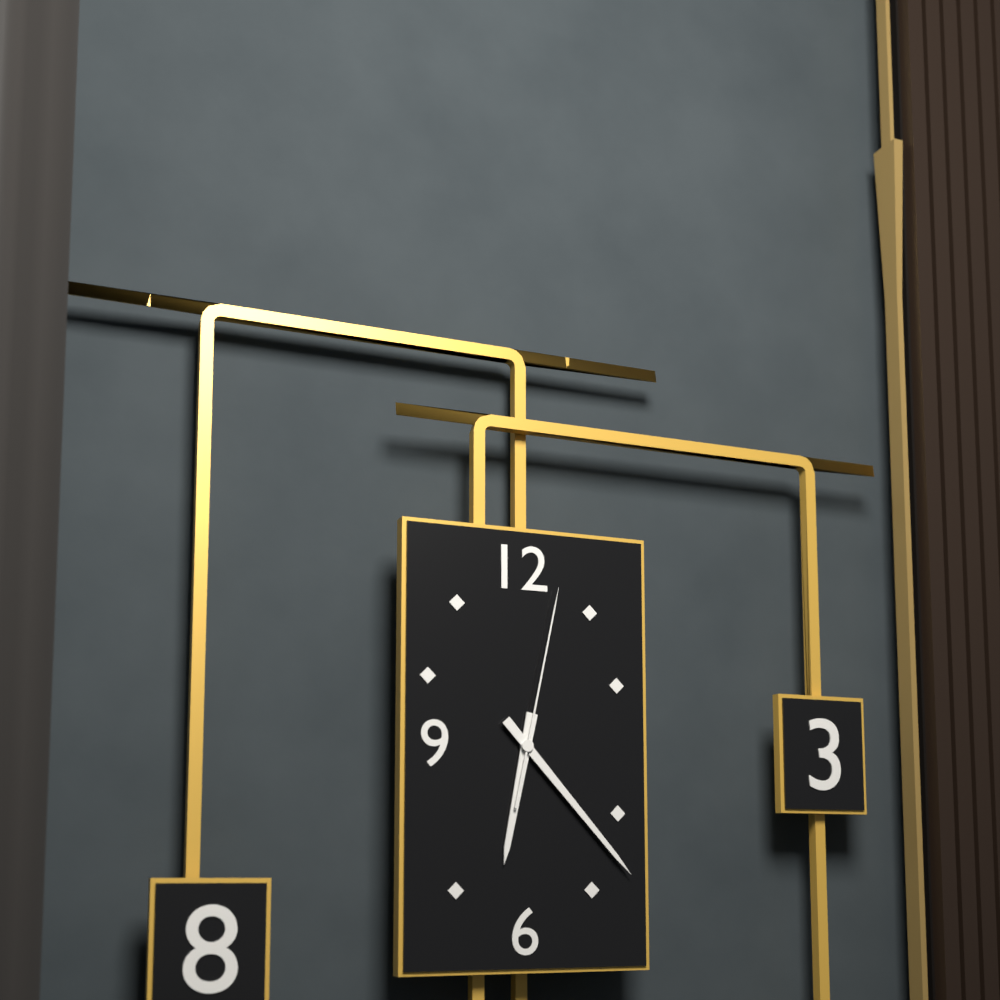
{"hour": 6, "minute": 23, "second": 2}
